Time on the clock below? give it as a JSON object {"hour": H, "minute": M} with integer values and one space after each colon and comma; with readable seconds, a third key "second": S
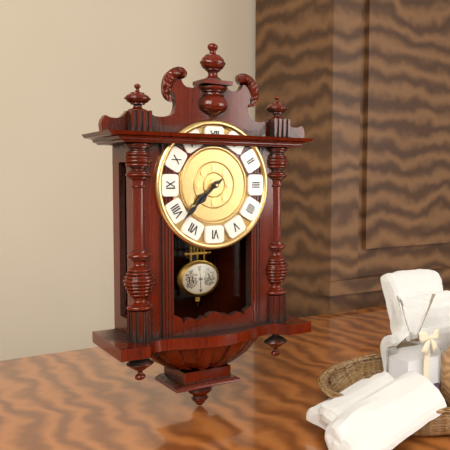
{"hour": 7, "minute": 38}
